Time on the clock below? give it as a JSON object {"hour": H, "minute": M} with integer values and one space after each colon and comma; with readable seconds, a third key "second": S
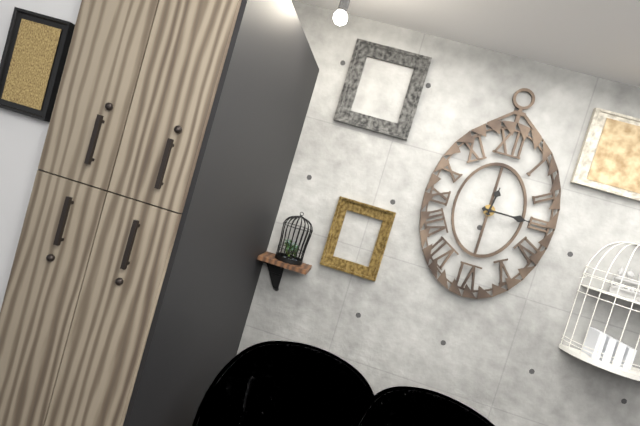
{"hour": 12, "minute": 15}
